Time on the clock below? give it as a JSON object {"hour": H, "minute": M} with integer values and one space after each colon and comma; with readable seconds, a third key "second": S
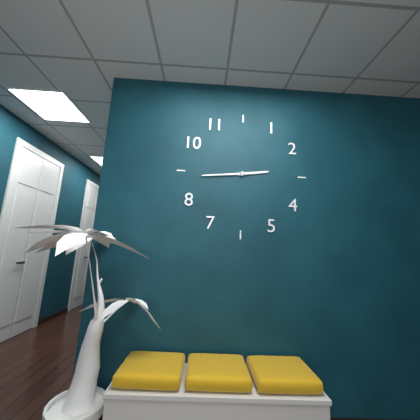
{"hour": 2, "minute": 44}
